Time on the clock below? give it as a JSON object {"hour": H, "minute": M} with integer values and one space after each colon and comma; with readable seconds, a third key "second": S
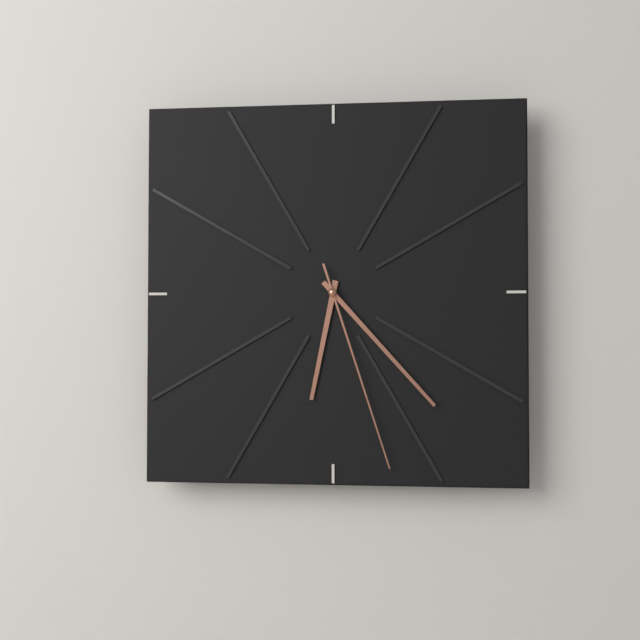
{"hour": 6, "minute": 23, "second": 27}
